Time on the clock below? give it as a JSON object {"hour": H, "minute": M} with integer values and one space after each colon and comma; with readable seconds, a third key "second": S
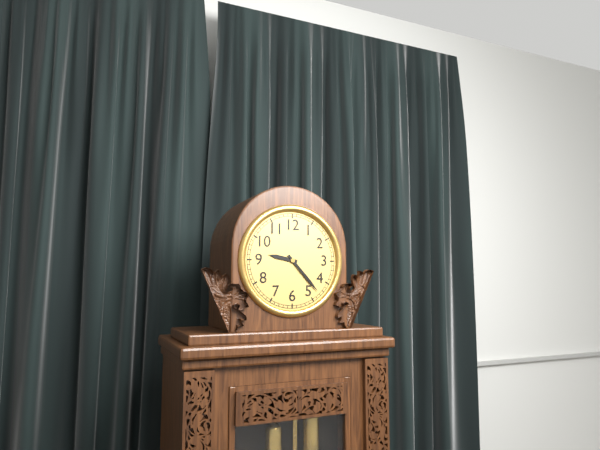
{"hour": 9, "minute": 23}
